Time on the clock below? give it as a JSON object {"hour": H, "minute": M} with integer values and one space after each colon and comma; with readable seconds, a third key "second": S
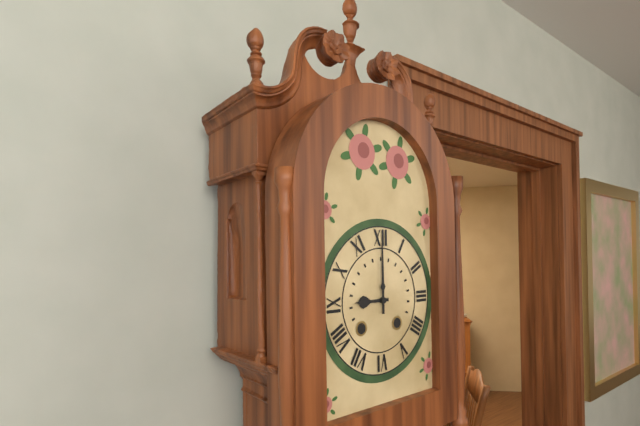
{"hour": 9, "minute": 0}
